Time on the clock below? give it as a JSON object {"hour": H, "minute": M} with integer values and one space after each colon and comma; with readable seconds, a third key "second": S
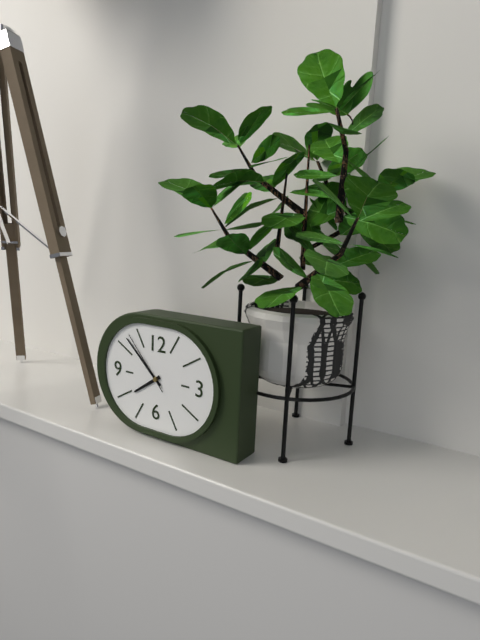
{"hour": 7, "minute": 52, "second": 53}
